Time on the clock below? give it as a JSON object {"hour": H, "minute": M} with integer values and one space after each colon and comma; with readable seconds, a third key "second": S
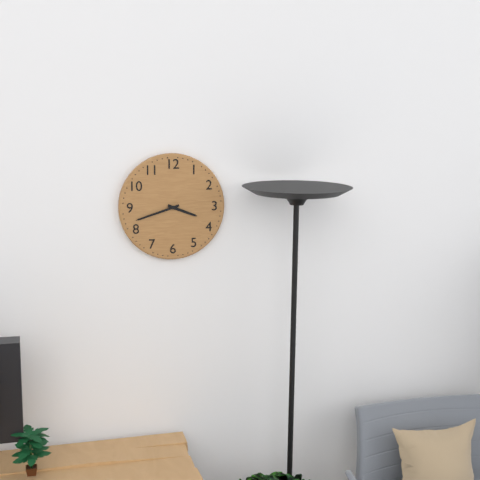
{"hour": 3, "minute": 42}
